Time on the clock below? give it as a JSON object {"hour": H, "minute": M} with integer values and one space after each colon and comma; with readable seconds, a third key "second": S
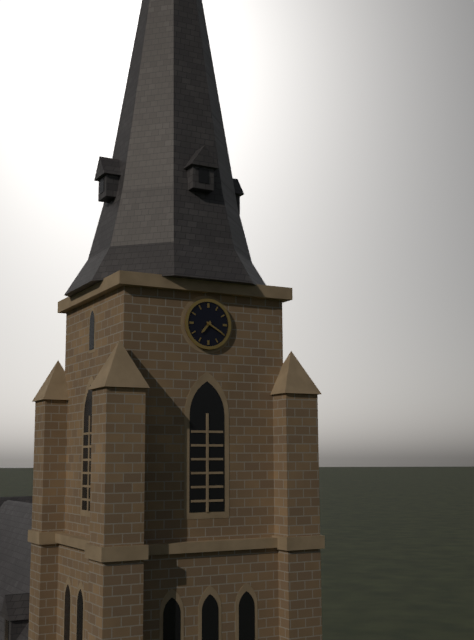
{"hour": 7, "minute": 20}
